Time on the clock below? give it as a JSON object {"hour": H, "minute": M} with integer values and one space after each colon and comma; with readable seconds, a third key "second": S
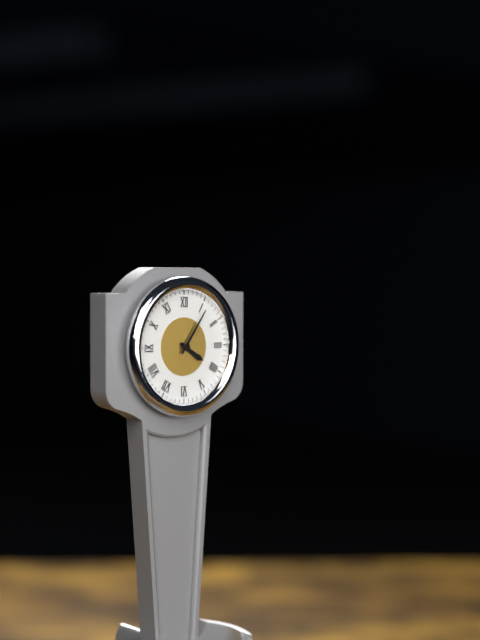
{"hour": 4, "minute": 6}
